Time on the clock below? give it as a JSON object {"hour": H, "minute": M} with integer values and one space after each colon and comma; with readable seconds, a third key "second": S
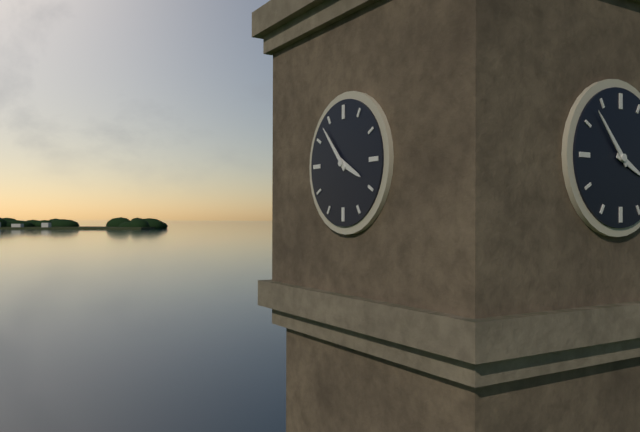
{"hour": 3, "minute": 53}
